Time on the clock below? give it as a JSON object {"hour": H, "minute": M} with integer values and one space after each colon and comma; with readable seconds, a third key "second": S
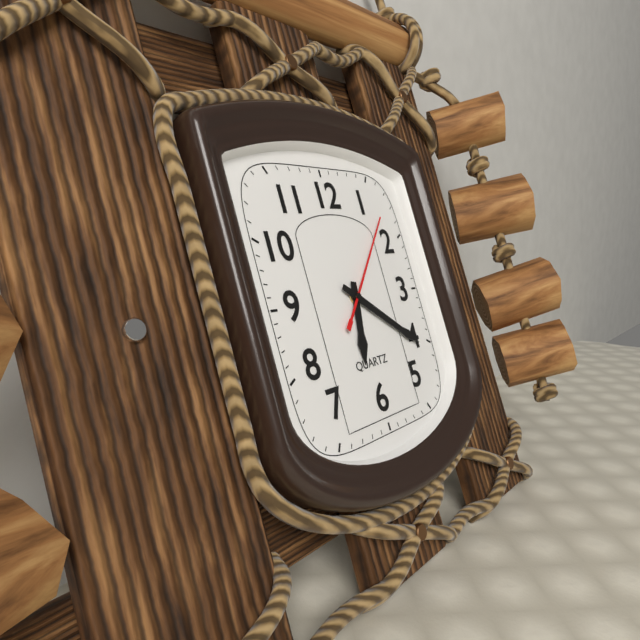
{"hour": 6, "minute": 21, "second": 7}
